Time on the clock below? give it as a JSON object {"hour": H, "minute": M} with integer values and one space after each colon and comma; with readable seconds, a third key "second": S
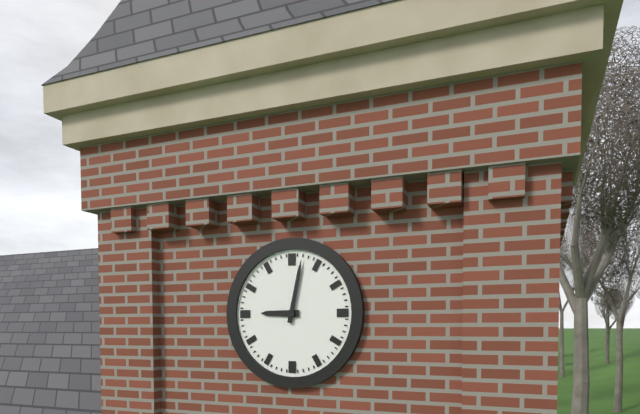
{"hour": 9, "minute": 2}
